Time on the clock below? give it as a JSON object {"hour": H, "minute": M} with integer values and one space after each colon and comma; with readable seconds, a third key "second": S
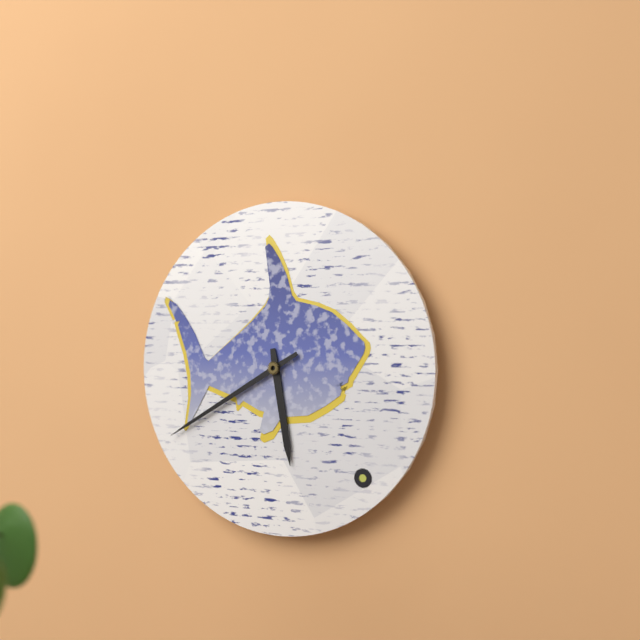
{"hour": 5, "minute": 40}
